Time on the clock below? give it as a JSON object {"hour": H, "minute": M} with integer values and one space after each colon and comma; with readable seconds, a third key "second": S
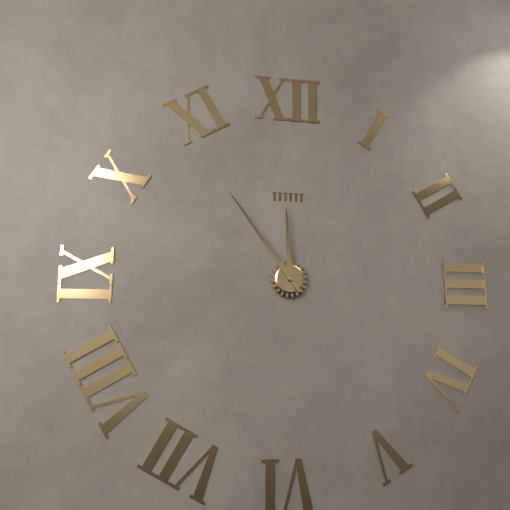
{"hour": 11, "minute": 54}
